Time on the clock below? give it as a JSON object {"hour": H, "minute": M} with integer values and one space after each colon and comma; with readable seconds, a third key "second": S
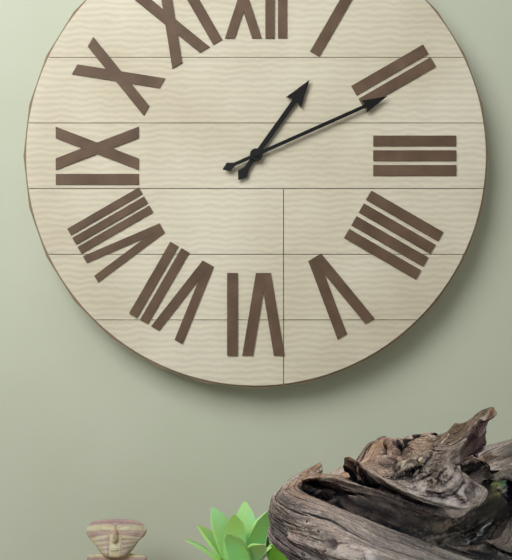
{"hour": 1, "minute": 11}
